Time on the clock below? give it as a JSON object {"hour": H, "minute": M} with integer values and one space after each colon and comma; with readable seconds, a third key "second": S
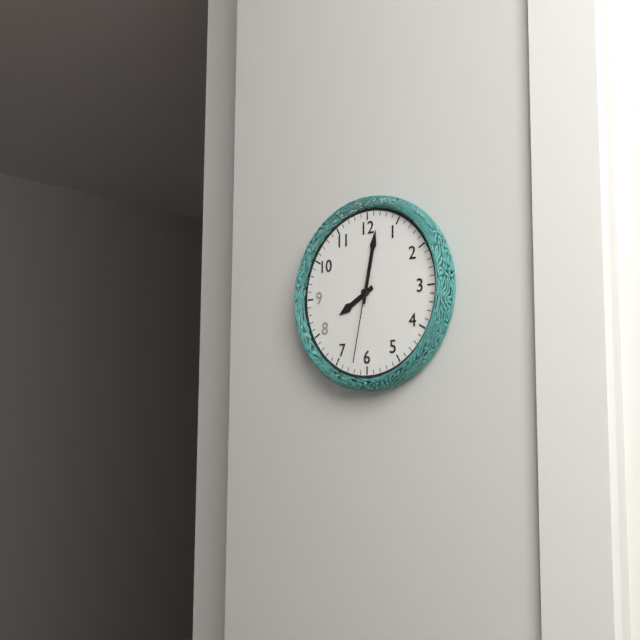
{"hour": 8, "minute": 2, "second": 32}
